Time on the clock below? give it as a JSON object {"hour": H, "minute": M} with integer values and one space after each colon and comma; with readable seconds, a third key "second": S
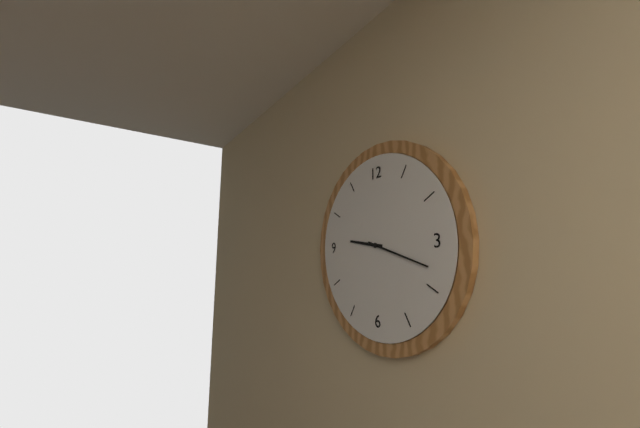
{"hour": 9, "minute": 18}
